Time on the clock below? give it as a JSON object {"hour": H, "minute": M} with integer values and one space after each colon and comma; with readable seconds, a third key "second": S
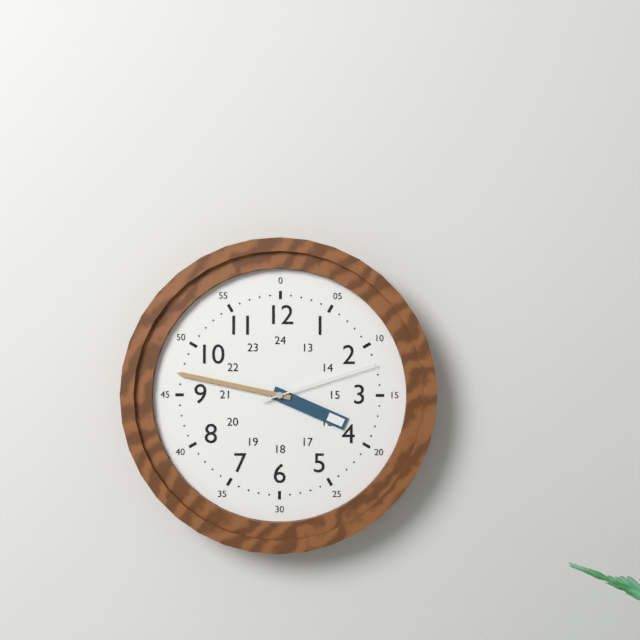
{"hour": 3, "minute": 47, "second": 12}
